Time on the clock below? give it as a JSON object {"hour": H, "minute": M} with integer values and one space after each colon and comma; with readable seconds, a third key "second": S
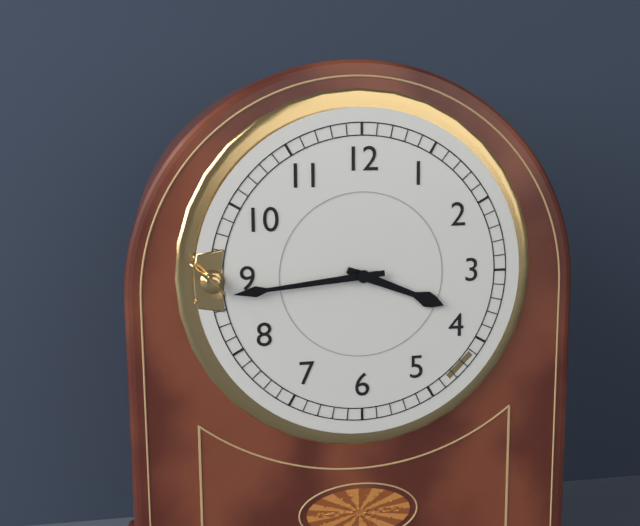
{"hour": 3, "minute": 44}
